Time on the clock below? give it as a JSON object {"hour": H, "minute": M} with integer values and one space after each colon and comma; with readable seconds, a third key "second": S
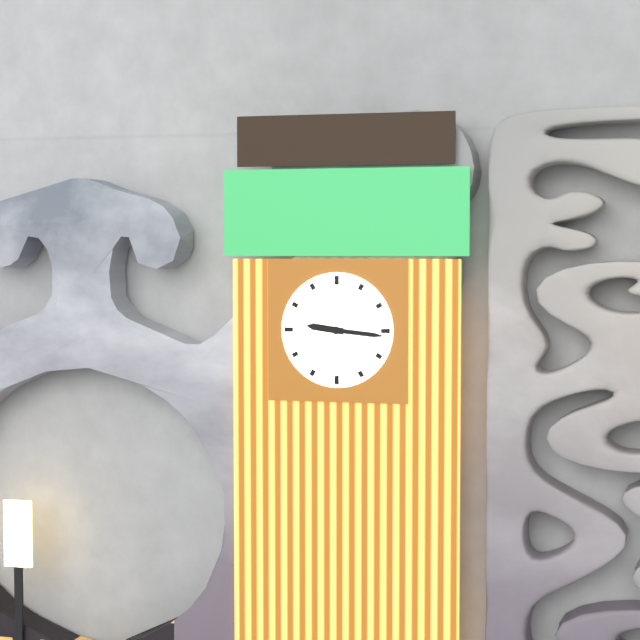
{"hour": 9, "minute": 16}
